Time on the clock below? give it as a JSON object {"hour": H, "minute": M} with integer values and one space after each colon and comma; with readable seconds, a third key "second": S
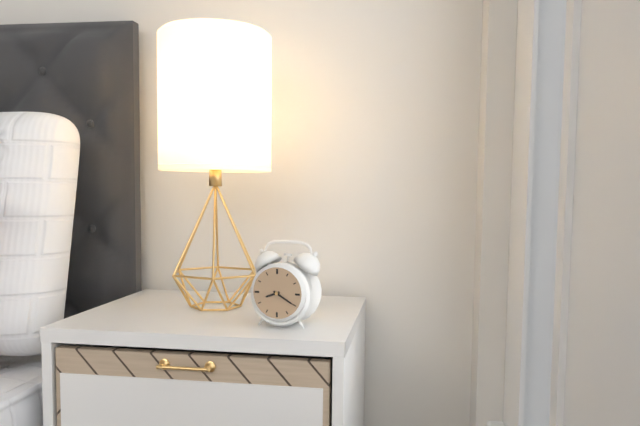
{"hour": 8, "minute": 20}
